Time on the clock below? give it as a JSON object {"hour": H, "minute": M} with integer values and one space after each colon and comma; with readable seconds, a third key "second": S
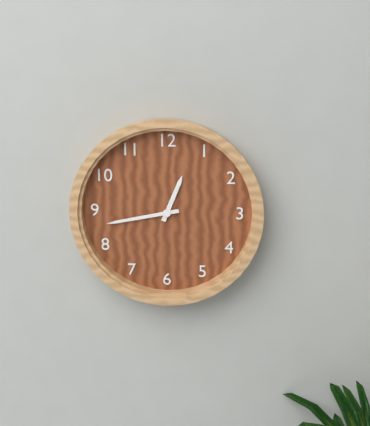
{"hour": 12, "minute": 43}
